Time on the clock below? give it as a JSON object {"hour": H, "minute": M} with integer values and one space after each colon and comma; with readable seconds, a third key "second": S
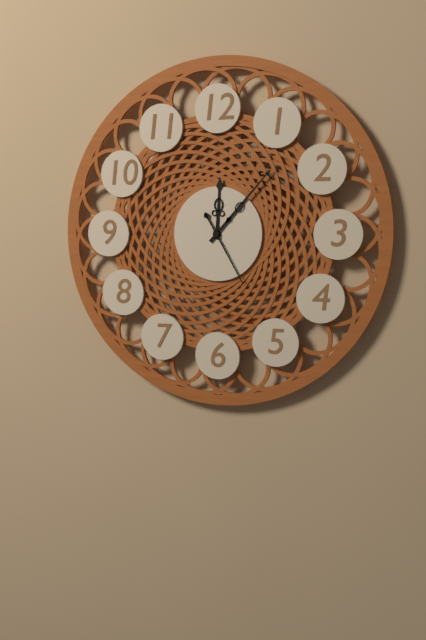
{"hour": 12, "minute": 7, "second": 25}
